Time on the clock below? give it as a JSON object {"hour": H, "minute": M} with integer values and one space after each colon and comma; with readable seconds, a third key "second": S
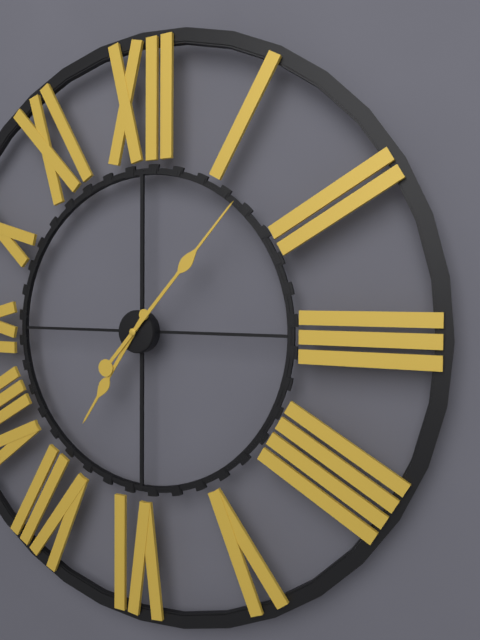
{"hour": 7, "minute": 7}
